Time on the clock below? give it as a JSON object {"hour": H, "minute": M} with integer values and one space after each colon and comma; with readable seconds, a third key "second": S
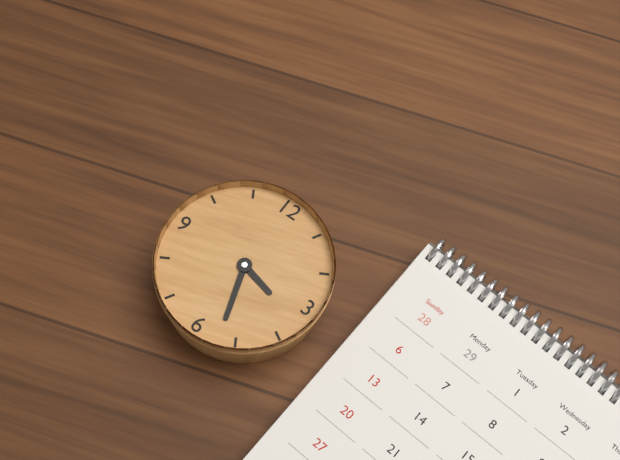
{"hour": 3, "minute": 27}
